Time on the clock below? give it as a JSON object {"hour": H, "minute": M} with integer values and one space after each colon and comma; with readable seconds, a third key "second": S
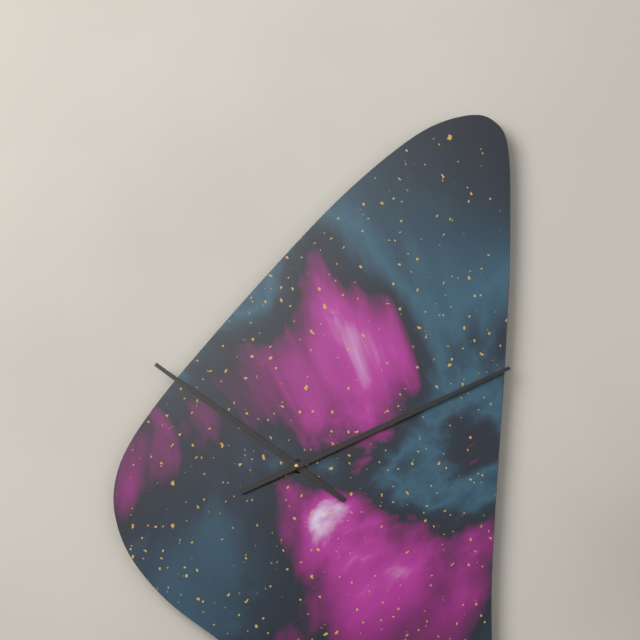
{"hour": 10, "minute": 11}
